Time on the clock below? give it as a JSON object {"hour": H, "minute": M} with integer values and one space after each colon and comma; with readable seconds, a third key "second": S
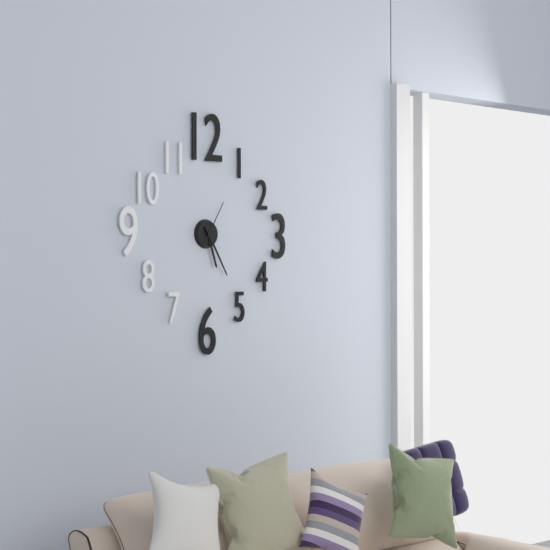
{"hour": 5, "minute": 25}
